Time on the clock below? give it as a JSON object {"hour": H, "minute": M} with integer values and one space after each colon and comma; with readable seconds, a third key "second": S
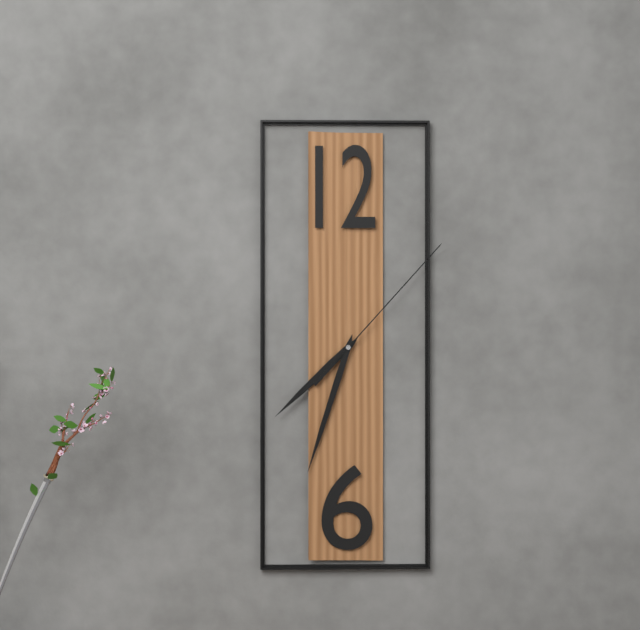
{"hour": 7, "minute": 33, "second": 7}
